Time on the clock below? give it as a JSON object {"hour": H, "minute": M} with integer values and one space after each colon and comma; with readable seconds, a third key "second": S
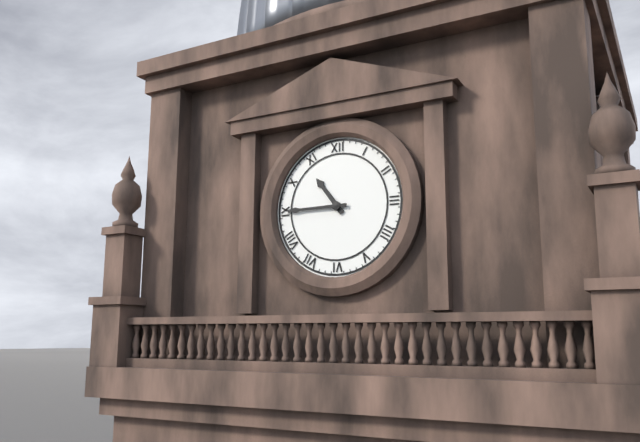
{"hour": 10, "minute": 45}
